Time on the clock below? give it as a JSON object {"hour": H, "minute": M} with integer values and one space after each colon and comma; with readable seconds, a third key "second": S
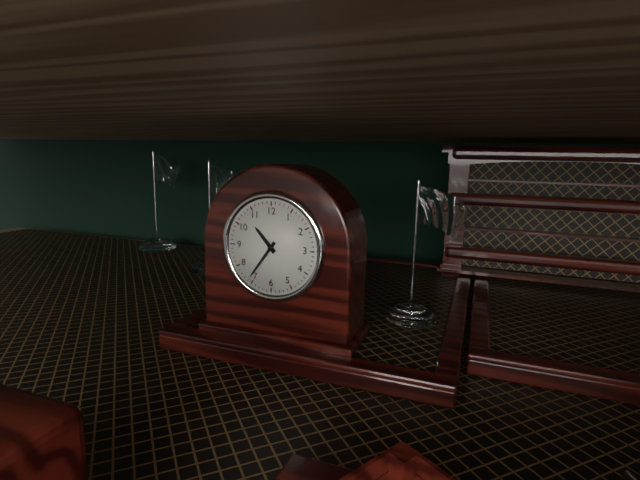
{"hour": 10, "minute": 36}
